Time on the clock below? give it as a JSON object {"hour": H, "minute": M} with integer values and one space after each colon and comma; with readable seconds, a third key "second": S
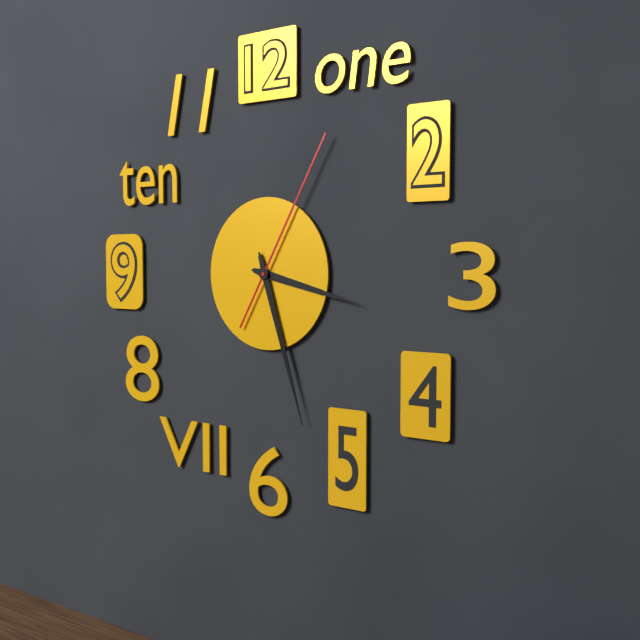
{"hour": 3, "minute": 27, "second": 5}
